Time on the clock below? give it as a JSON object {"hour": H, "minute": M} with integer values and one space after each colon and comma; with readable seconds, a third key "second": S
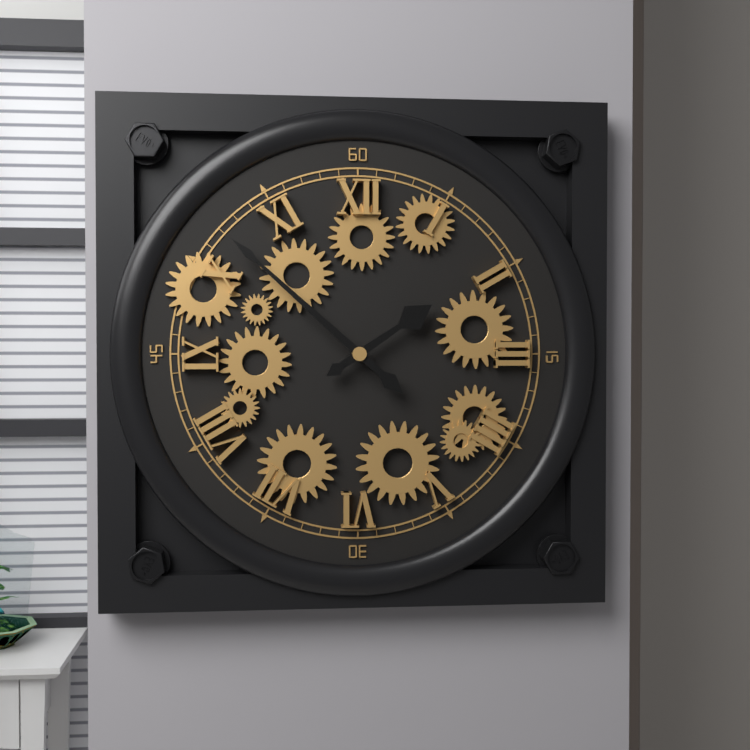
{"hour": 1, "minute": 52}
